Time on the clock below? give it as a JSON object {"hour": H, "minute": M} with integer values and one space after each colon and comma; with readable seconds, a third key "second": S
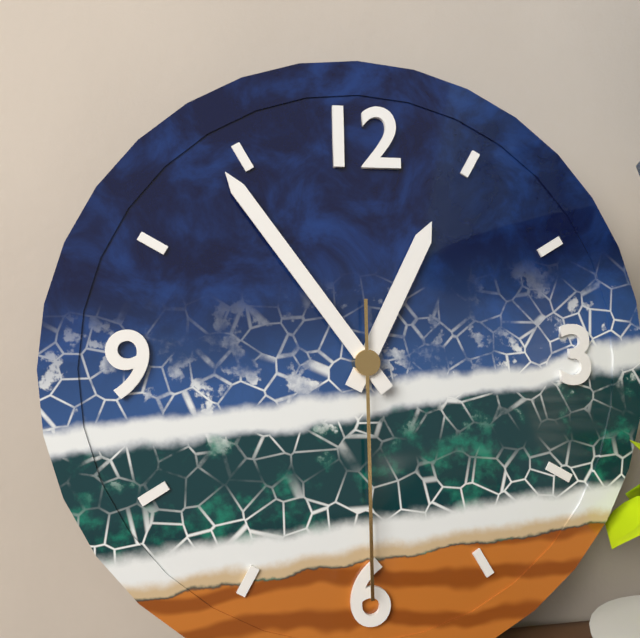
{"hour": 12, "minute": 54, "second": 30}
